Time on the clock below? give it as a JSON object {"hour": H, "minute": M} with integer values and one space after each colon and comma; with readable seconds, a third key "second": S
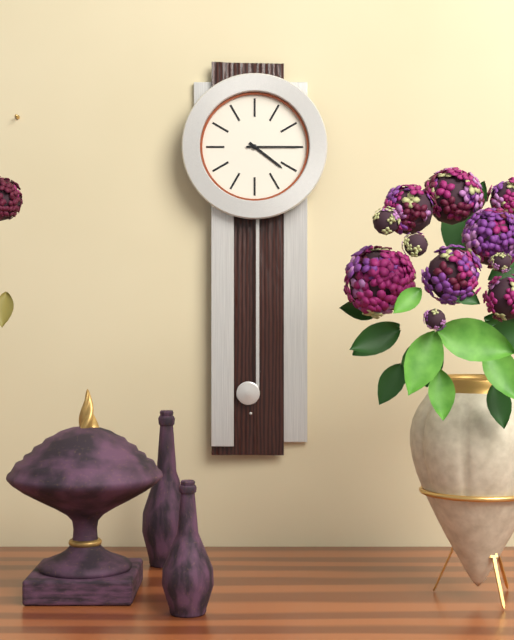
{"hour": 4, "minute": 15}
